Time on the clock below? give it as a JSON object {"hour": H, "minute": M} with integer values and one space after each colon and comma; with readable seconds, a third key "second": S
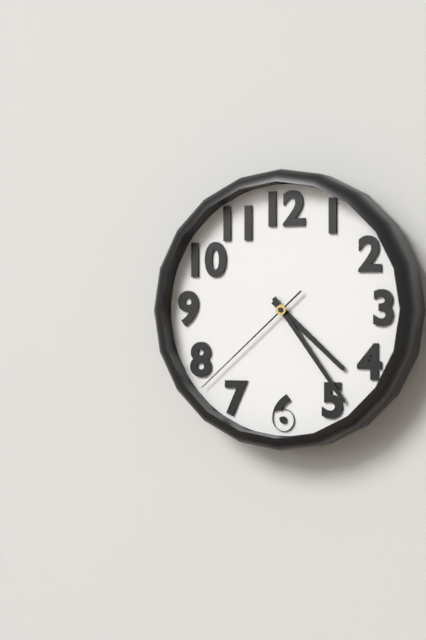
{"hour": 4, "minute": 24, "second": 38}
